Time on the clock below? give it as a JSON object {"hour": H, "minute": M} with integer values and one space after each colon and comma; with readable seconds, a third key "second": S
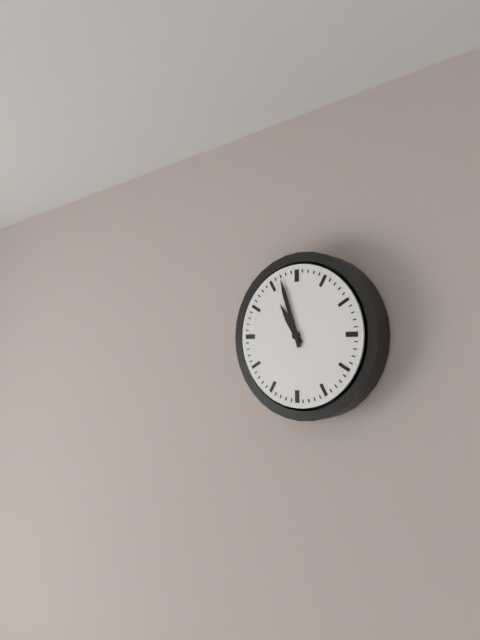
{"hour": 10, "minute": 57}
